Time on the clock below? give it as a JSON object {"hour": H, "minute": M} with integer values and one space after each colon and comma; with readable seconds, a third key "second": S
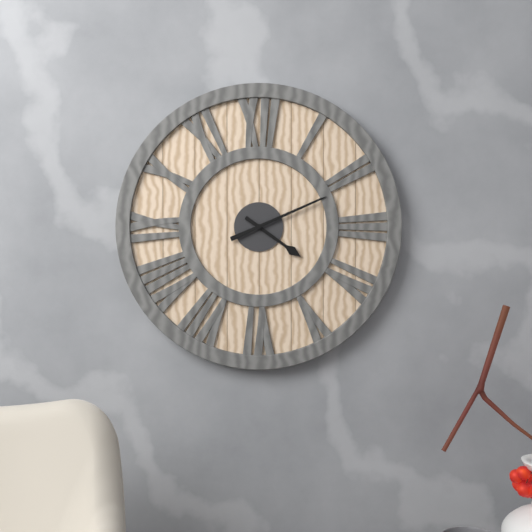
{"hour": 4, "minute": 11}
